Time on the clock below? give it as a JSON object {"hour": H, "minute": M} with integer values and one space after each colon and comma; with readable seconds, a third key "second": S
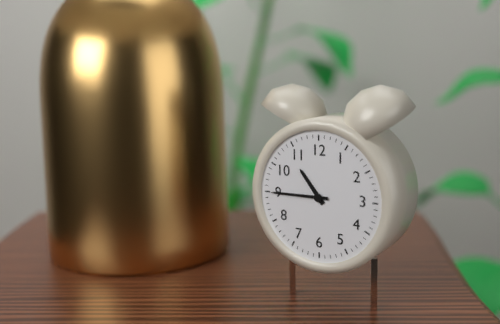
{"hour": 10, "minute": 45}
